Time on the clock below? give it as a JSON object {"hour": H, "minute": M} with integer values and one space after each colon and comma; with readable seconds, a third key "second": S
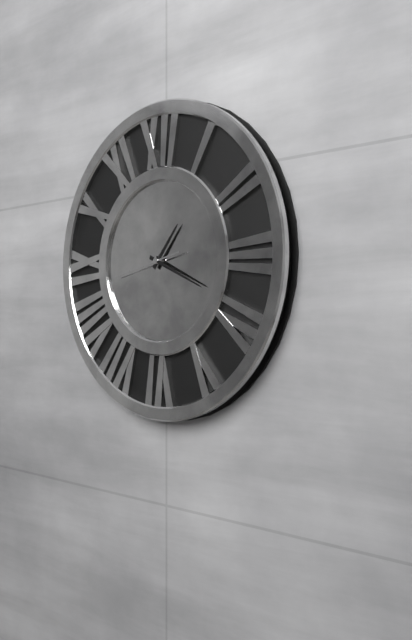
{"hour": 1, "minute": 19, "second": 43}
